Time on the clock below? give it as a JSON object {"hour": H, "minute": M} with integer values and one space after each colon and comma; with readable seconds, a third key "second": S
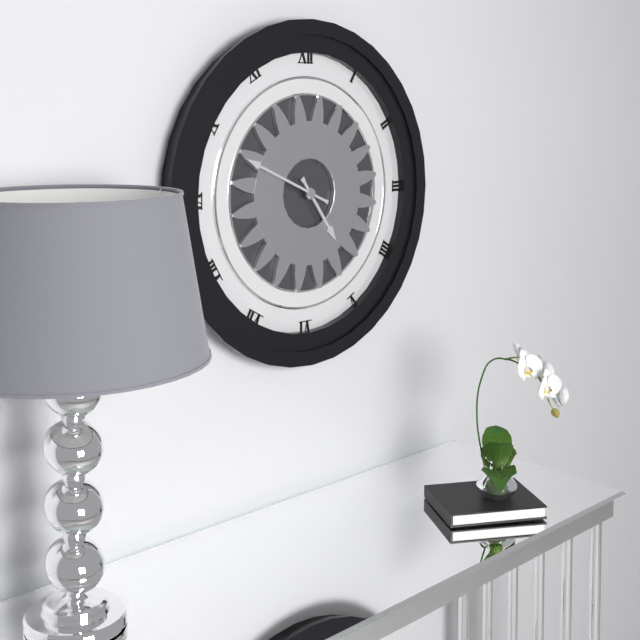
{"hour": 4, "minute": 49}
